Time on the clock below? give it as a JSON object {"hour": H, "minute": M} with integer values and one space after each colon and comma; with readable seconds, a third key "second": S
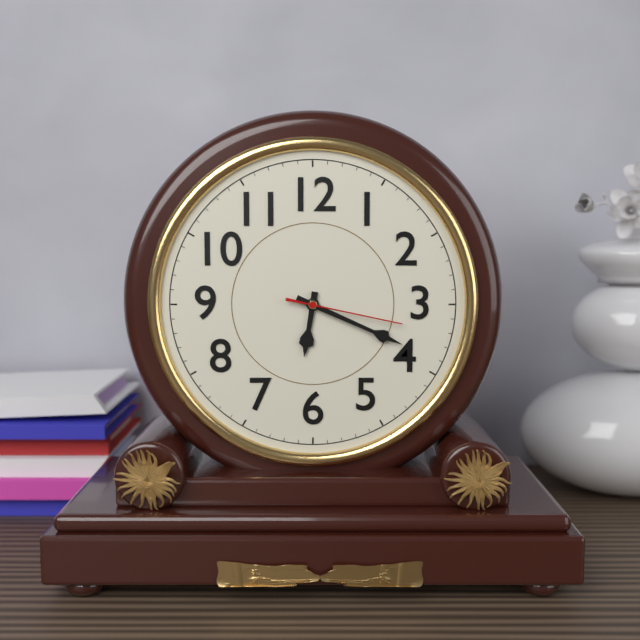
{"hour": 6, "minute": 19, "second": 17}
